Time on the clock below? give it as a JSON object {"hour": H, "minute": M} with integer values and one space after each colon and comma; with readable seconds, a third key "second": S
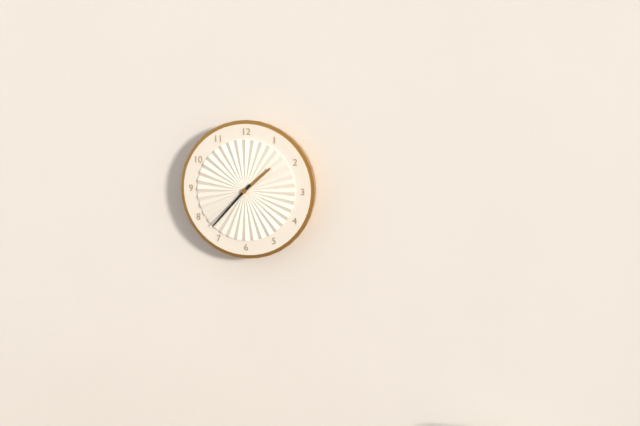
{"hour": 1, "minute": 37}
